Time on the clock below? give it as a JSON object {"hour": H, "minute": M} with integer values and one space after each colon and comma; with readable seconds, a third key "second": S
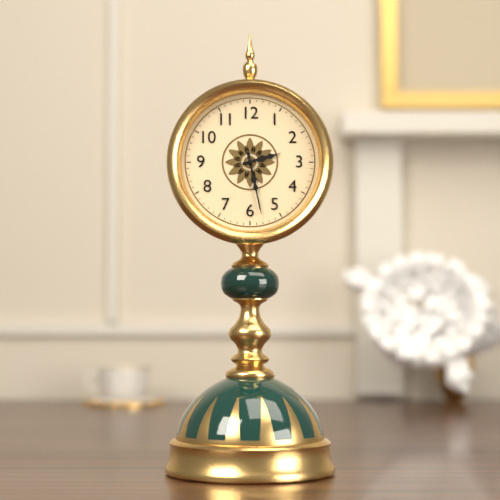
{"hour": 2, "minute": 28}
